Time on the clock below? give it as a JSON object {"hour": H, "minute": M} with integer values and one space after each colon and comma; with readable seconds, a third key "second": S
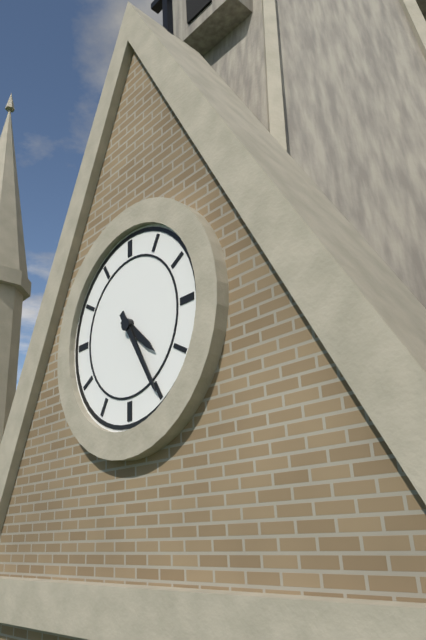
{"hour": 4, "minute": 25}
